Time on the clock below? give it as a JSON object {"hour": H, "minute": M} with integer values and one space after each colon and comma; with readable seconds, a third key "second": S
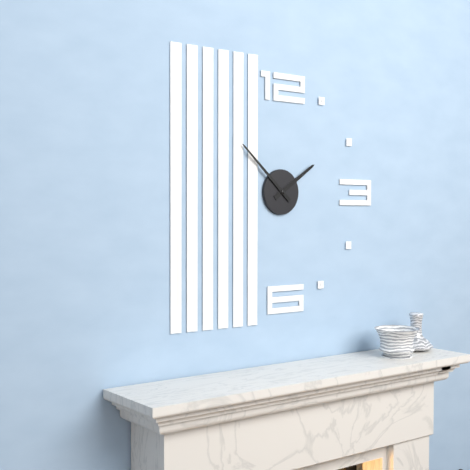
{"hour": 1, "minute": 52}
